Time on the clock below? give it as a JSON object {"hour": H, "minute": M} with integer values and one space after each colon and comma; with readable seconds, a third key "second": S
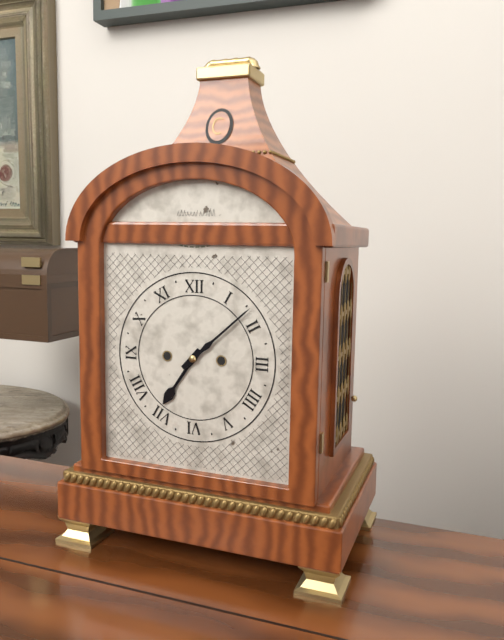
{"hour": 7, "minute": 8}
